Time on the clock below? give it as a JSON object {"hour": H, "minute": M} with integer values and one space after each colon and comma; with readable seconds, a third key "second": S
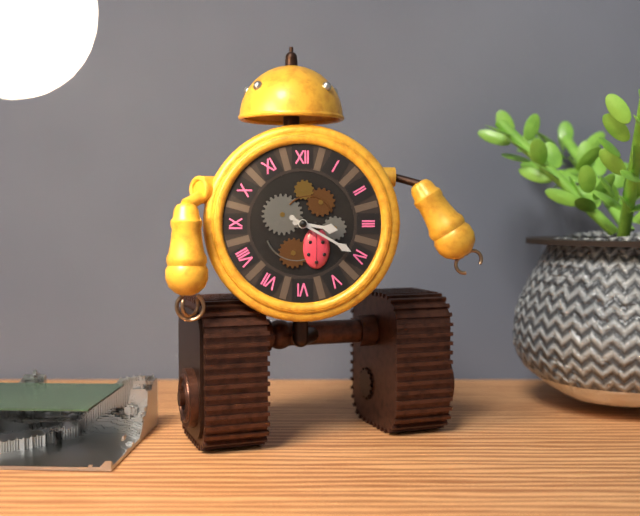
{"hour": 3, "minute": 20}
